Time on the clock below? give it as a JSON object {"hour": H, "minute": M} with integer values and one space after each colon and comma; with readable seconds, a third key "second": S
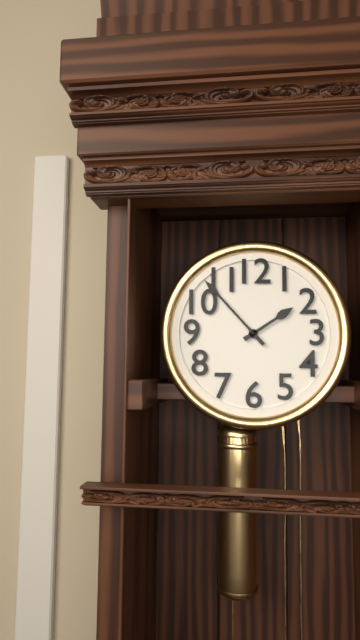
{"hour": 1, "minute": 53}
